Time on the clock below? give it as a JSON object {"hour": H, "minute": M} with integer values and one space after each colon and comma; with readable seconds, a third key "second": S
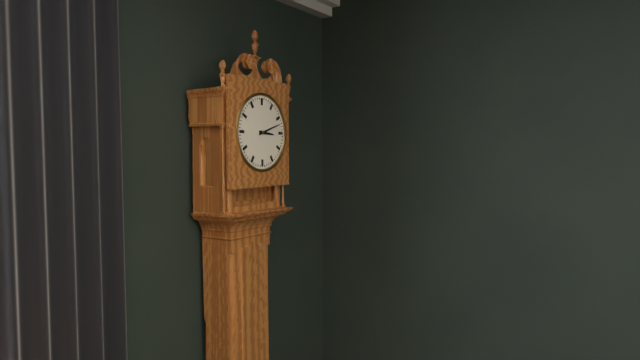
{"hour": 3, "minute": 12}
